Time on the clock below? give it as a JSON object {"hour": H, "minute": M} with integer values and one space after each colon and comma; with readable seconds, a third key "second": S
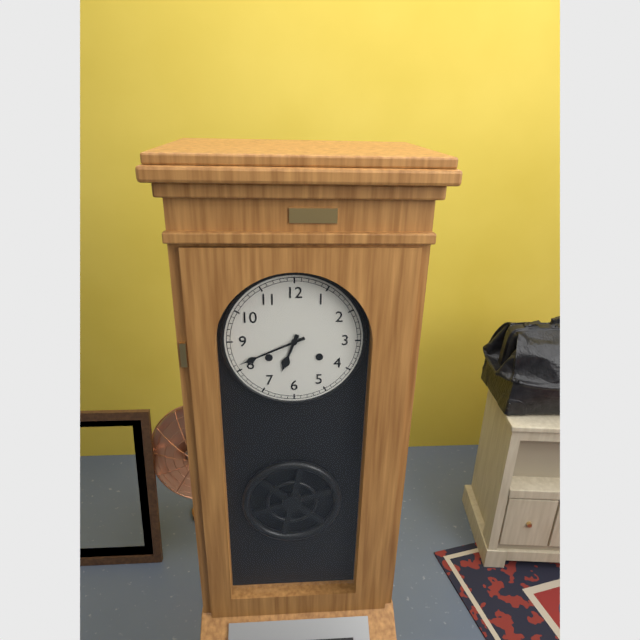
{"hour": 6, "minute": 41}
